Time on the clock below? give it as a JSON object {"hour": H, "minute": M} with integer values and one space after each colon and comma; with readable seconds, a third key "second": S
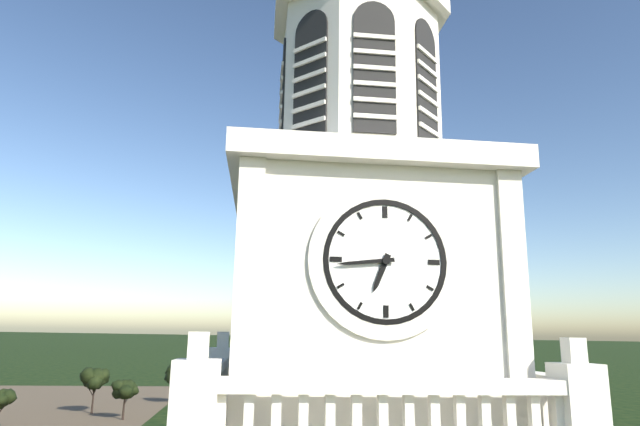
{"hour": 6, "minute": 44}
